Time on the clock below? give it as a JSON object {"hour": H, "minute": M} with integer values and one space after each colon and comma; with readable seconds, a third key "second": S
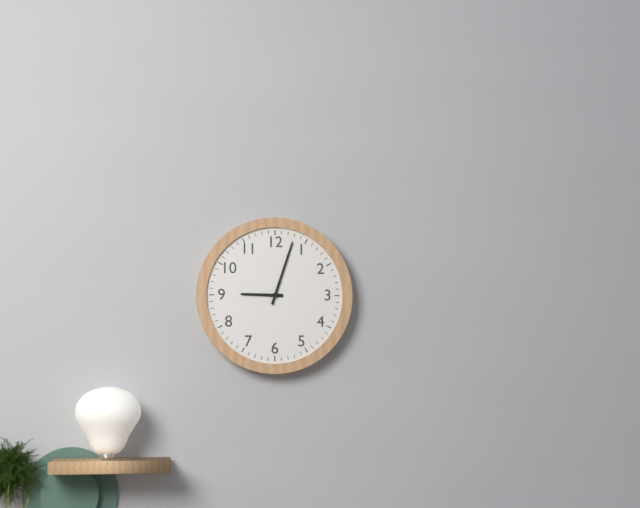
{"hour": 9, "minute": 3}
